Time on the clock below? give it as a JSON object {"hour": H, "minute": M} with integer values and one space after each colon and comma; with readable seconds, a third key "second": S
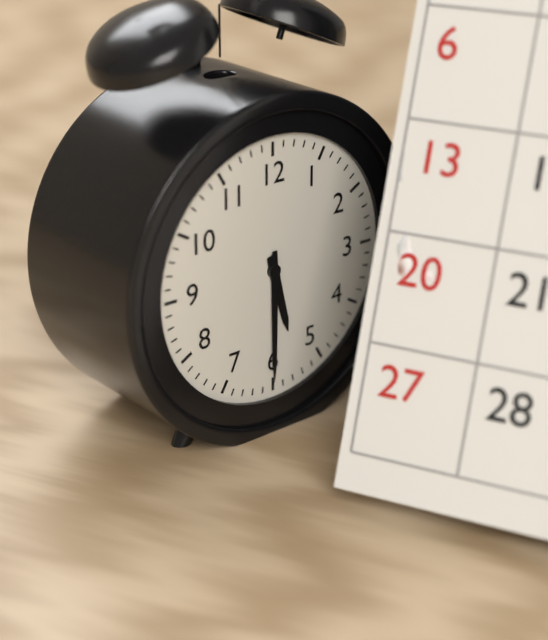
{"hour": 5, "minute": 30}
